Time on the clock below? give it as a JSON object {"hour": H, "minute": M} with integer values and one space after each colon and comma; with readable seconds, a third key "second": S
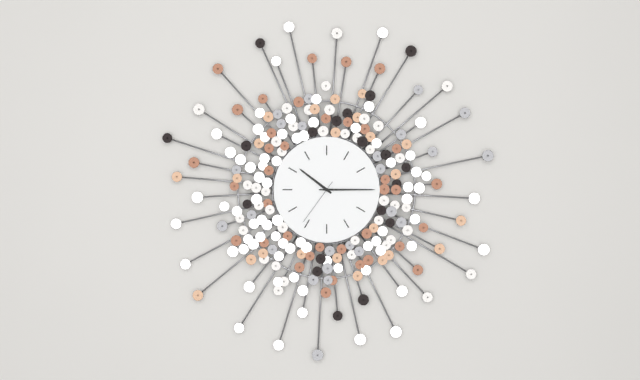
{"hour": 10, "minute": 15, "second": 36}
